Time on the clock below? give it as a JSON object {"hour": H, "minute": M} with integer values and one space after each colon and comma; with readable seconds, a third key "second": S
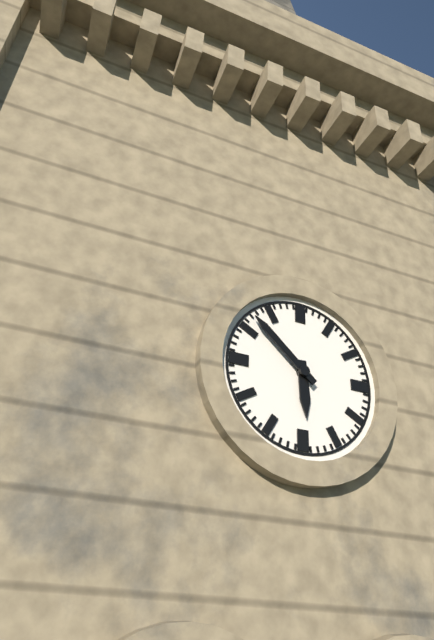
{"hour": 5, "minute": 52}
